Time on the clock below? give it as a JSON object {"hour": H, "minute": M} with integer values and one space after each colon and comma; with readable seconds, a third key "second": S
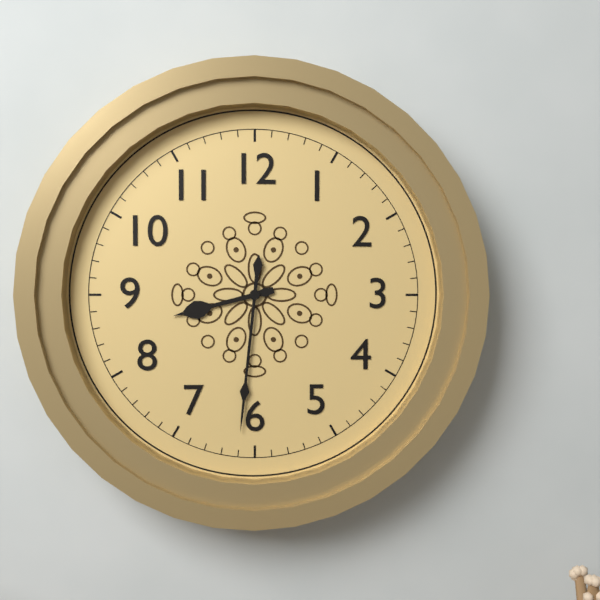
{"hour": 8, "minute": 31}
